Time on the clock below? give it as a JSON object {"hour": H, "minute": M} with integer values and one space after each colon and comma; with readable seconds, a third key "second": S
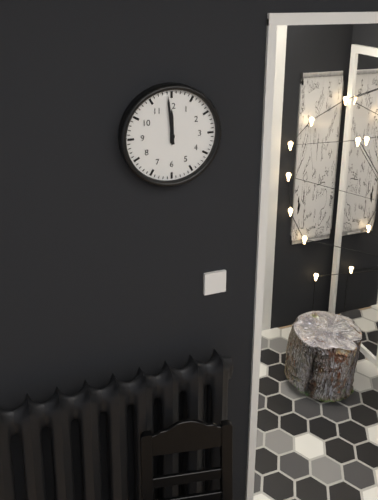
{"hour": 11, "minute": 59}
